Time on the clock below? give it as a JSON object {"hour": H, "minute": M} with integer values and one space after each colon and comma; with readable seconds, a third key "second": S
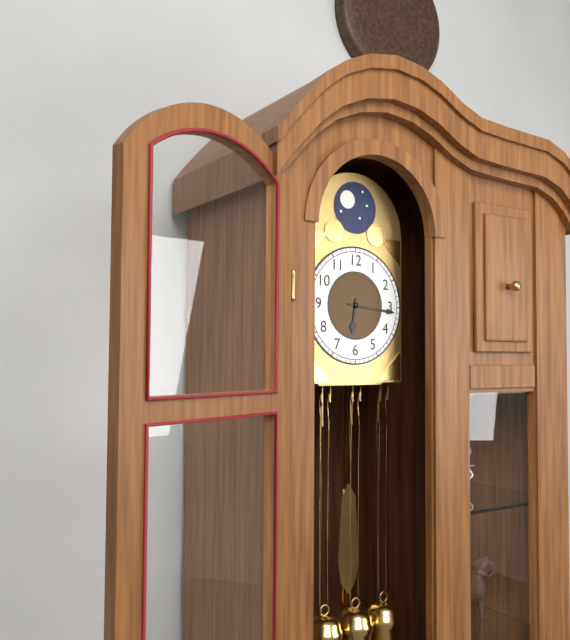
{"hour": 6, "minute": 16}
